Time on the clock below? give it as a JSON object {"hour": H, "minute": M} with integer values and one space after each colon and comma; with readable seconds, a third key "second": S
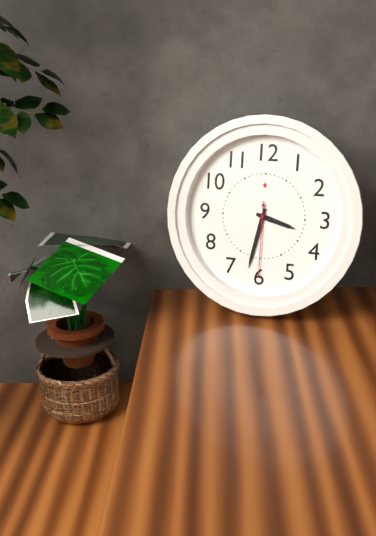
{"hour": 3, "minute": 32, "second": 30}
